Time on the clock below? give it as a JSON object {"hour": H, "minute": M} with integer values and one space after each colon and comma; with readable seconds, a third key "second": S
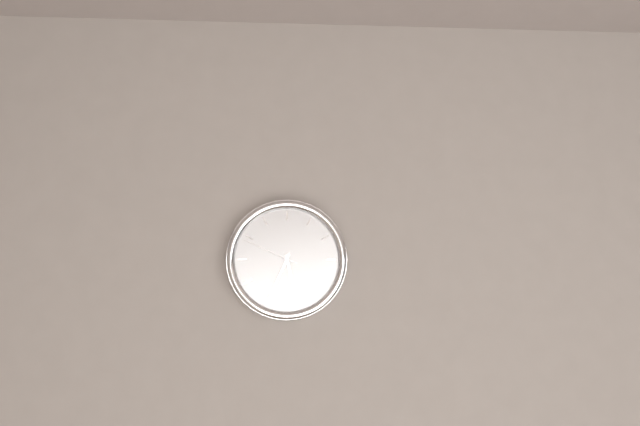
{"hour": 5, "minute": 34, "second": 49}
